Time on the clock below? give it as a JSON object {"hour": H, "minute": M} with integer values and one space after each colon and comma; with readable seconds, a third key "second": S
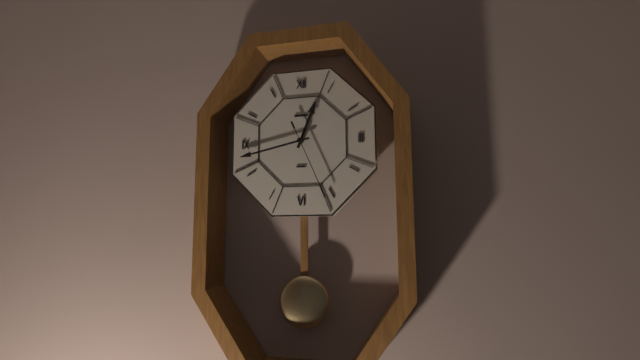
{"hour": 12, "minute": 43, "second": 26}
